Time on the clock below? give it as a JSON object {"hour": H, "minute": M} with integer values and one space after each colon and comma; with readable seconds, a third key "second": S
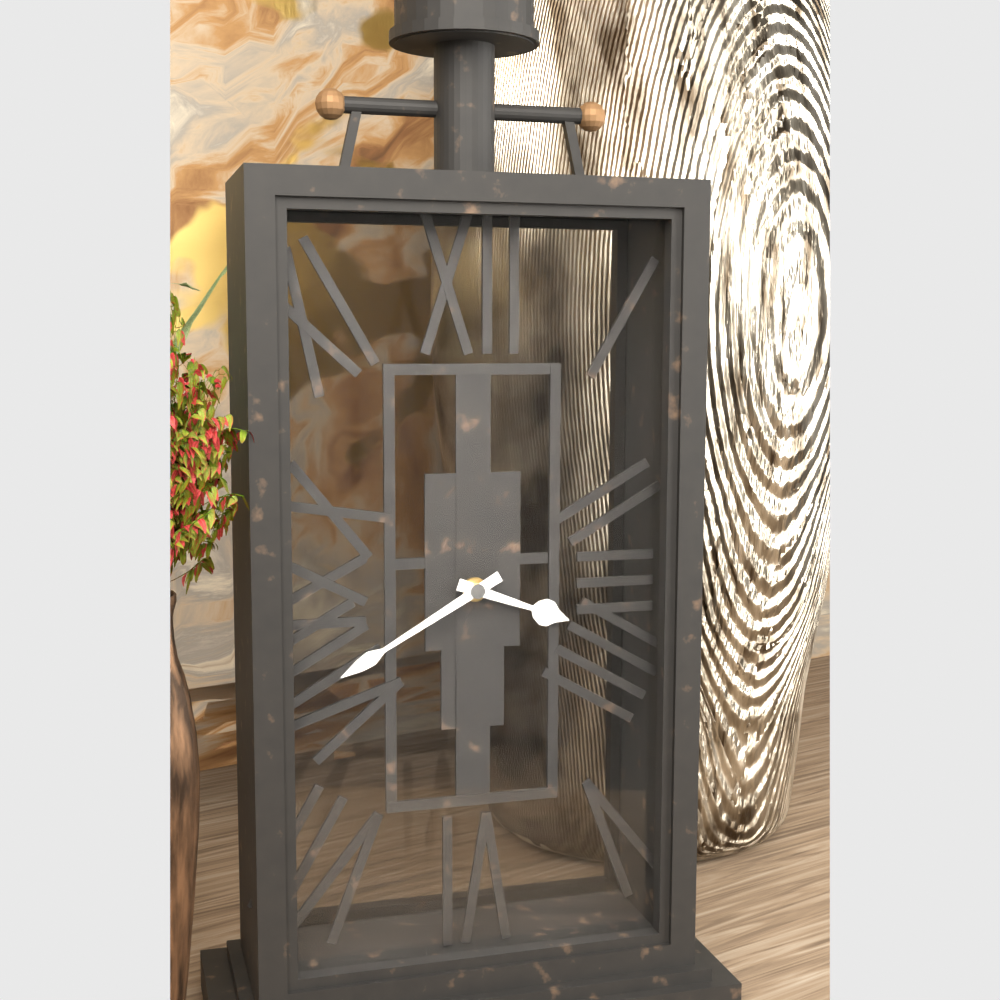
{"hour": 3, "minute": 40}
